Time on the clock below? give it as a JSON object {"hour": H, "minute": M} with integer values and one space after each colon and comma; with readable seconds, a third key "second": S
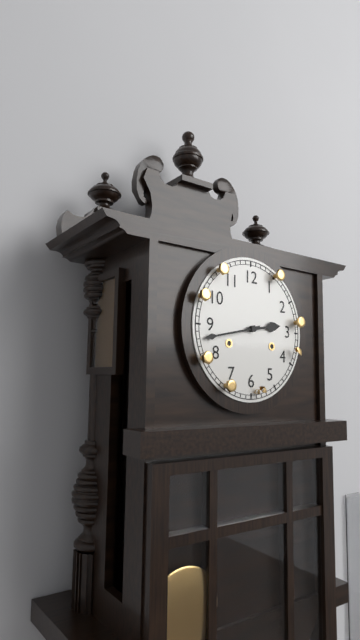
{"hour": 2, "minute": 43}
